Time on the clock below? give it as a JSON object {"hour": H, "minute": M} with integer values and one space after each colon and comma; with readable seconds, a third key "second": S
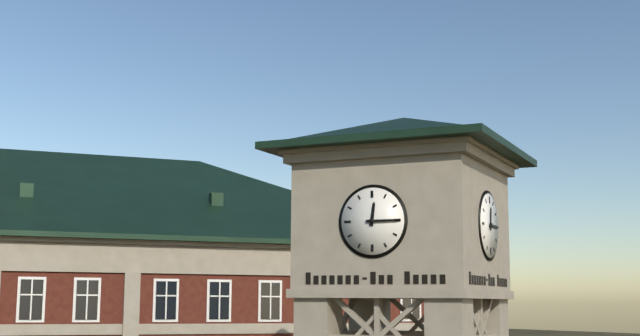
{"hour": 12, "minute": 15}
